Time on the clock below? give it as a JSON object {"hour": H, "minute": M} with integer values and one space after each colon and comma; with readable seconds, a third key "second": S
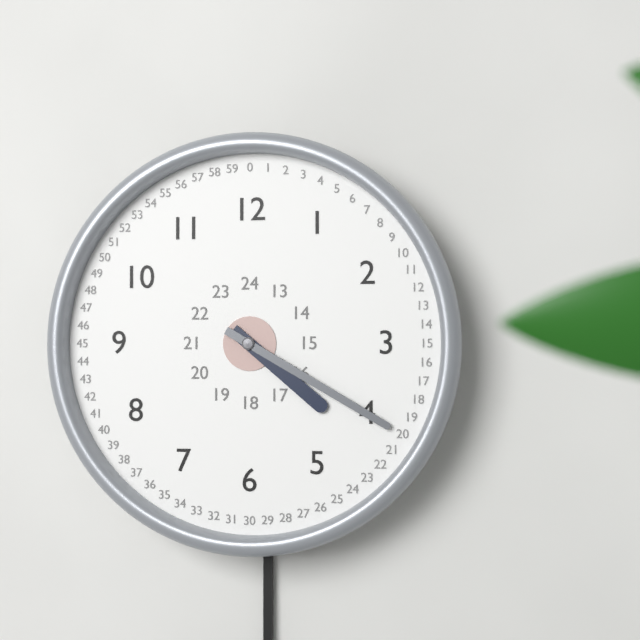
{"hour": 4, "minute": 20}
